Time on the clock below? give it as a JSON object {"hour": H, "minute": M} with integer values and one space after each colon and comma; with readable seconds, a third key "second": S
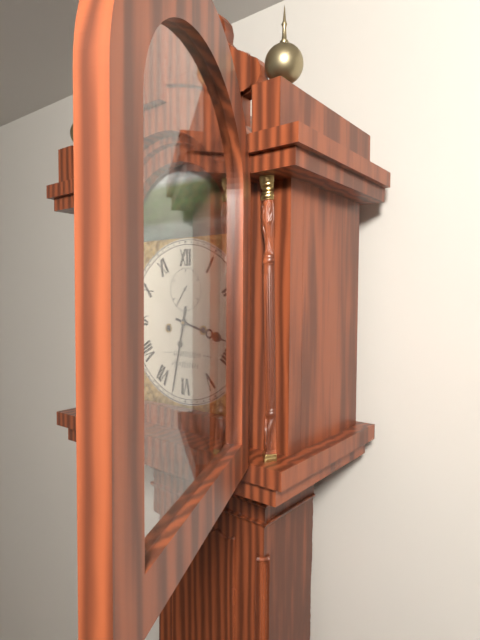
{"hour": 3, "minute": 32}
